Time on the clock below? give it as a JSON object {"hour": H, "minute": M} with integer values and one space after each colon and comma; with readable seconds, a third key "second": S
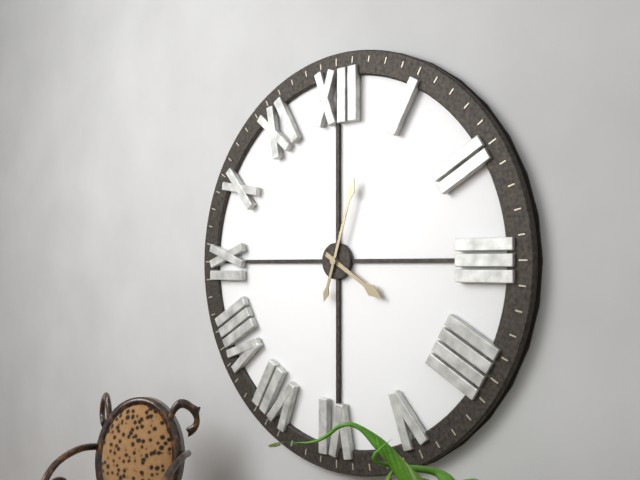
{"hour": 4, "minute": 3}
